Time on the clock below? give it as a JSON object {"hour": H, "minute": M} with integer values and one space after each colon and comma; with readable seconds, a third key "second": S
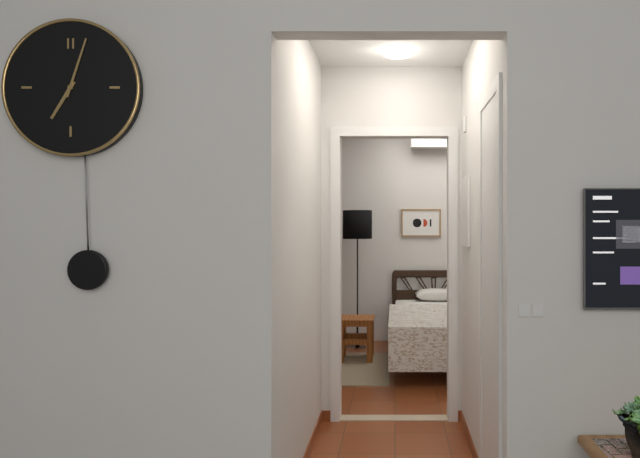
{"hour": 7, "minute": 3}
